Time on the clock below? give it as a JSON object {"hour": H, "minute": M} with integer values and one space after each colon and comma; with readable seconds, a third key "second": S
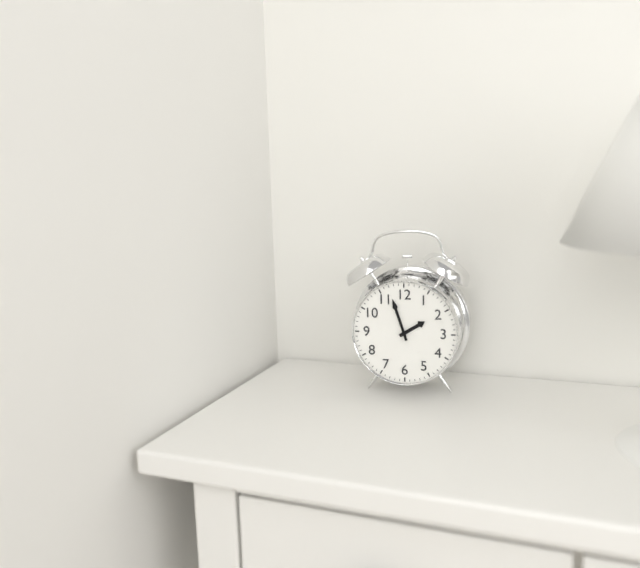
{"hour": 1, "minute": 57}
